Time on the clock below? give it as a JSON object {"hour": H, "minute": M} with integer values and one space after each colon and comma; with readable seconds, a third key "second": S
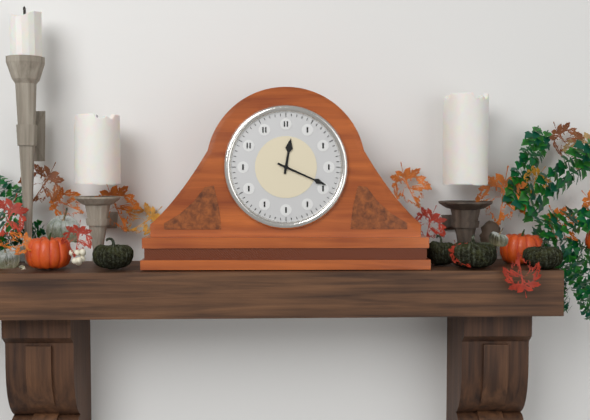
{"hour": 12, "minute": 19}
